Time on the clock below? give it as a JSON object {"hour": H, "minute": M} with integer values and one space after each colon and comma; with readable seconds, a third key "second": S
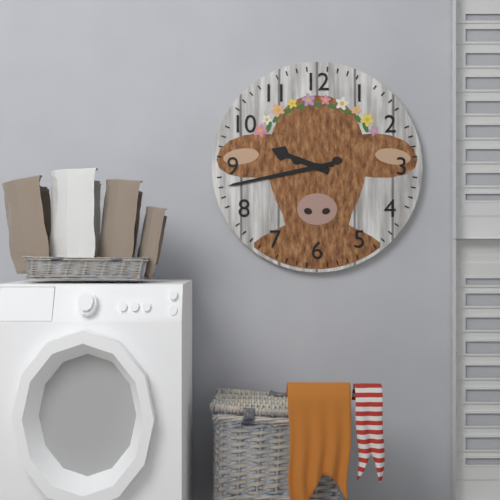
{"hour": 9, "minute": 43}
